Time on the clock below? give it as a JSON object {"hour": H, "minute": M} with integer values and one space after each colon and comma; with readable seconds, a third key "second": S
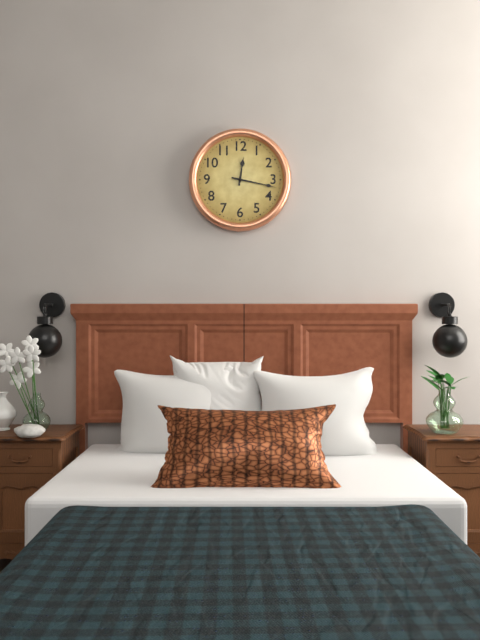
{"hour": 12, "minute": 17}
